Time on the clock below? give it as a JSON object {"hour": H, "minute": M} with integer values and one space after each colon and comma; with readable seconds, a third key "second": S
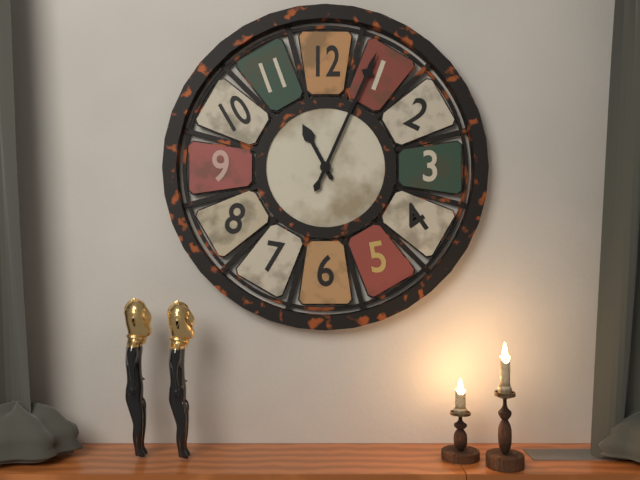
{"hour": 11, "minute": 4}
